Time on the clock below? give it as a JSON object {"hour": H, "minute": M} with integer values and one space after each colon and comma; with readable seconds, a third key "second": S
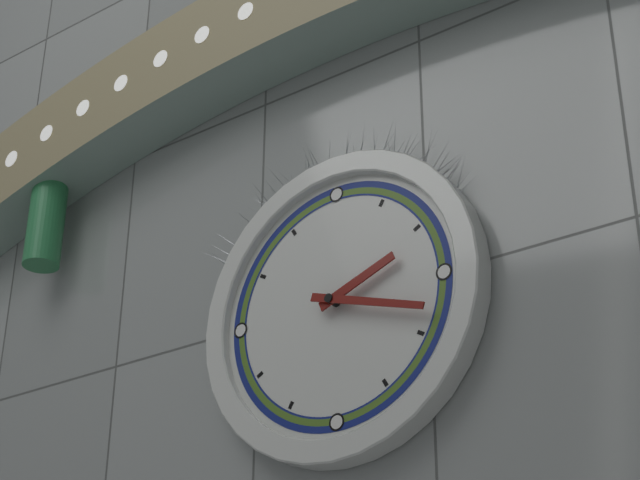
{"hour": 2, "minute": 18}
